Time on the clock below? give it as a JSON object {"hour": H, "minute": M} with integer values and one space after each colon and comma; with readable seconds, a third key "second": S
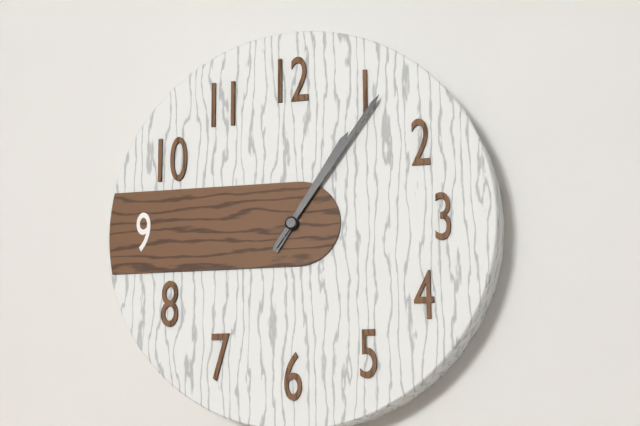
{"hour": 1, "minute": 6}
